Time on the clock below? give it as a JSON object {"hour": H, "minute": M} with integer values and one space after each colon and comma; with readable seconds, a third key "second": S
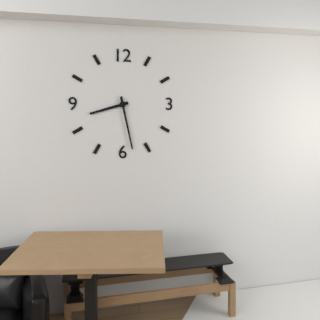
{"hour": 8, "minute": 28}
